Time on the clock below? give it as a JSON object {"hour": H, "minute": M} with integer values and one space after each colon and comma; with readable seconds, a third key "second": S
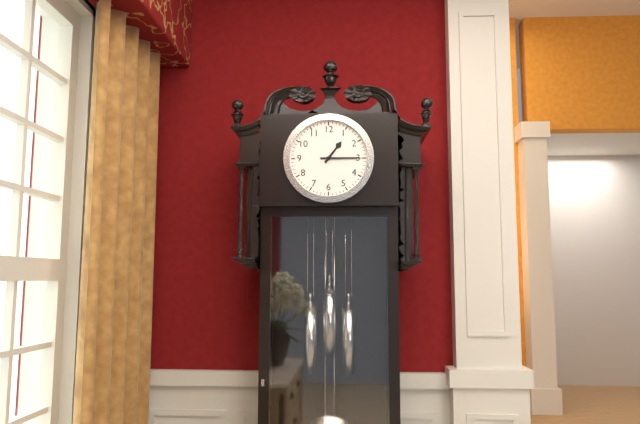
{"hour": 1, "minute": 15}
